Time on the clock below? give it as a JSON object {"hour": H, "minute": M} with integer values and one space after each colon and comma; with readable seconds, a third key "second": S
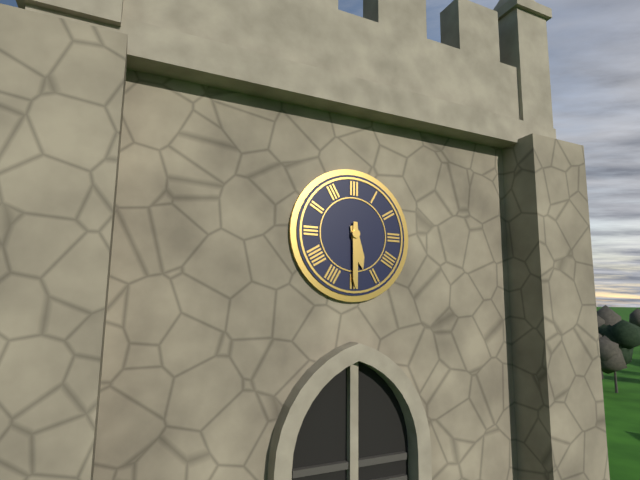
{"hour": 5, "minute": 30}
